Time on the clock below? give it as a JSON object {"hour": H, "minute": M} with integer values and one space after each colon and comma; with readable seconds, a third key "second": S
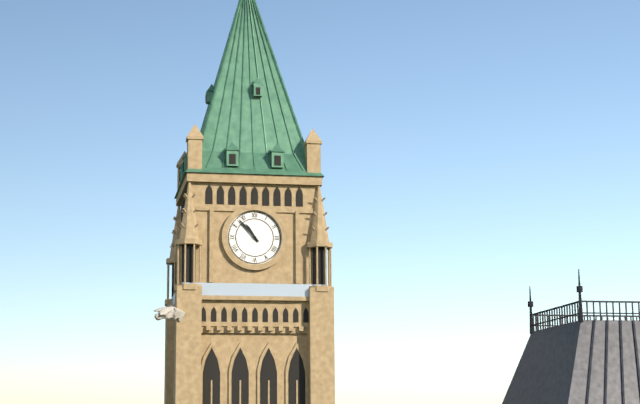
{"hour": 10, "minute": 53}
